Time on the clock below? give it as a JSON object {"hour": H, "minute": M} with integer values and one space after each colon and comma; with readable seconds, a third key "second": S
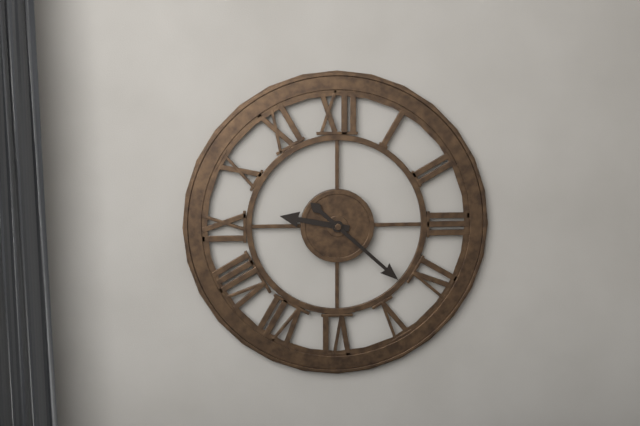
{"hour": 9, "minute": 22}
